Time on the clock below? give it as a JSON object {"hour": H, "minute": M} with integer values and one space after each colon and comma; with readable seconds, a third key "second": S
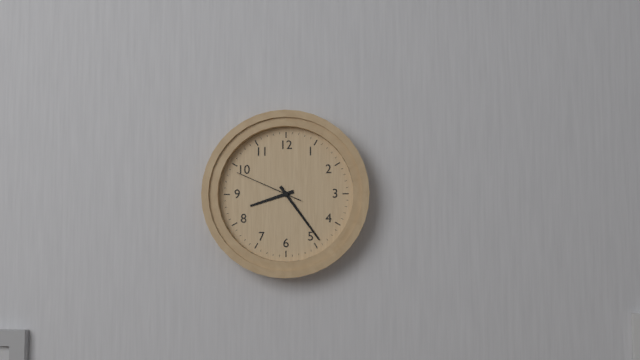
{"hour": 8, "minute": 24, "second": 49}
